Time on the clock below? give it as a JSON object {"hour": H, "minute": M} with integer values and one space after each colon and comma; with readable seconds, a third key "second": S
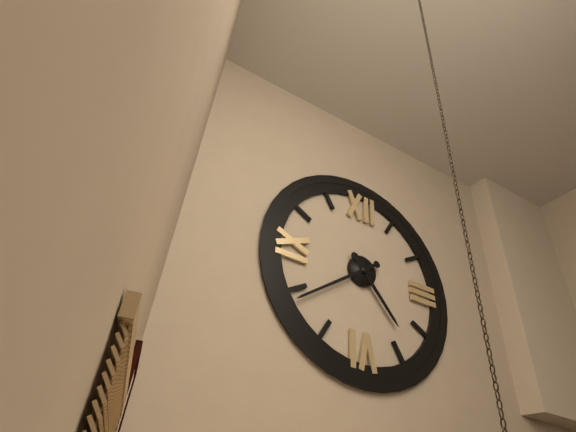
{"hour": 4, "minute": 39}
